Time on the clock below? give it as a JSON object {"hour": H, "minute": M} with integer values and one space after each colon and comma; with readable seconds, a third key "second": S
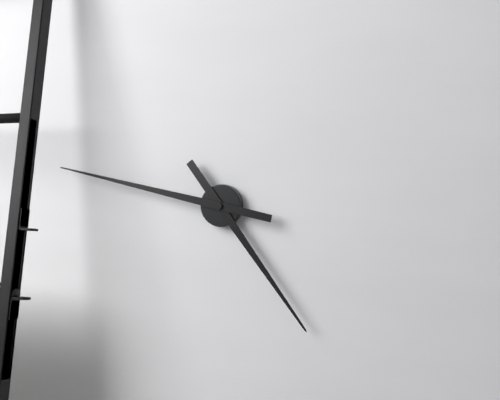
{"hour": 4, "minute": 47}
